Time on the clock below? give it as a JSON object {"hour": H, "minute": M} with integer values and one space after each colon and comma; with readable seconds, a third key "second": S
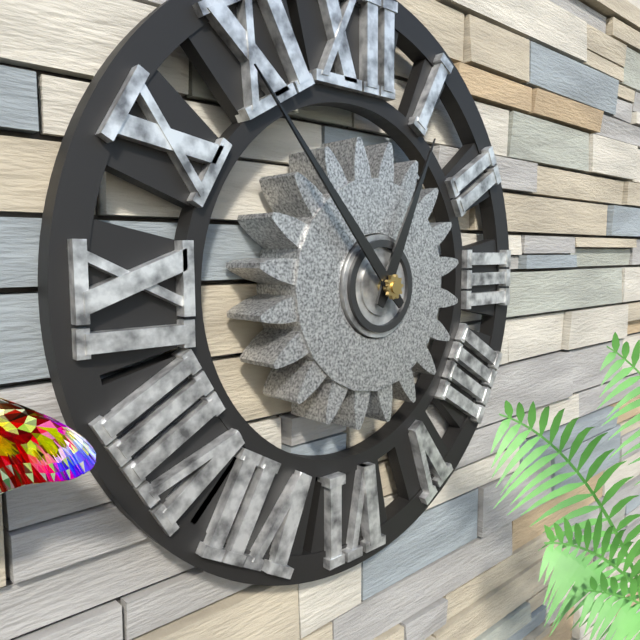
{"hour": 12, "minute": 53}
